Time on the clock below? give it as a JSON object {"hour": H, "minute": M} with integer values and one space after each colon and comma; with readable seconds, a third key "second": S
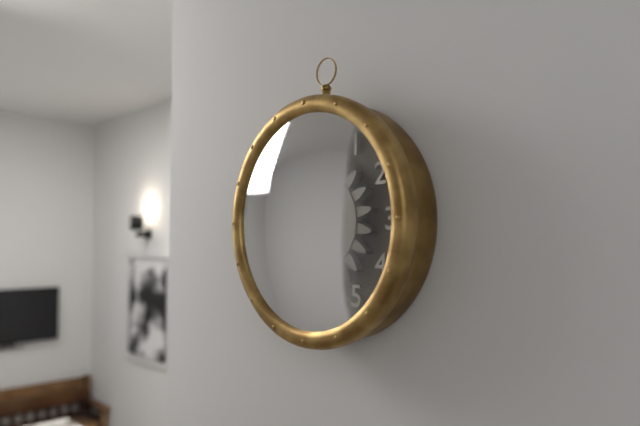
{"hour": 7, "minute": 56}
